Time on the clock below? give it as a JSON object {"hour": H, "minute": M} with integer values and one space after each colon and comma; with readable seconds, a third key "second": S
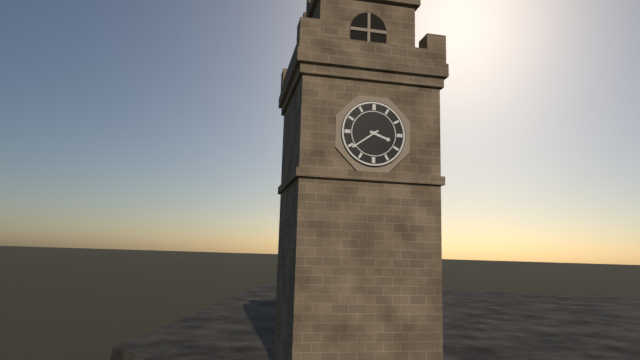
{"hour": 3, "minute": 39}
